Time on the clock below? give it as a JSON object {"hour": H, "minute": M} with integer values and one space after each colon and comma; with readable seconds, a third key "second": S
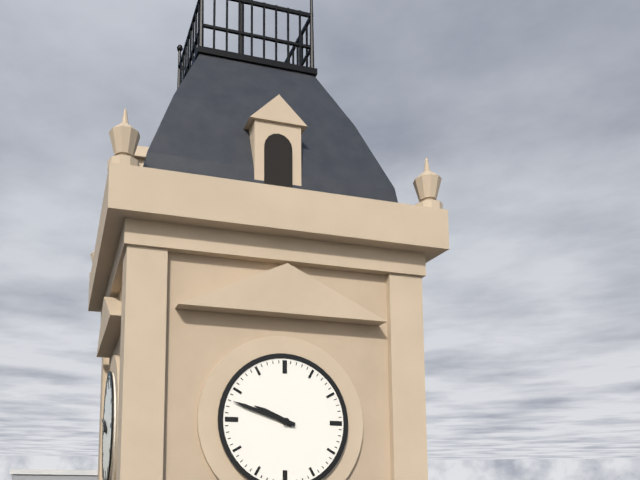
{"hour": 9, "minute": 48}
